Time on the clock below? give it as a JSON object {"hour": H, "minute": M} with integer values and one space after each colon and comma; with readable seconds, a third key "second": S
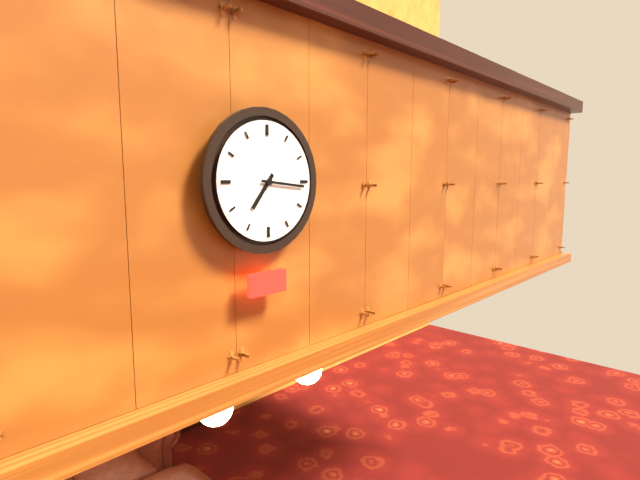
{"hour": 7, "minute": 16}
